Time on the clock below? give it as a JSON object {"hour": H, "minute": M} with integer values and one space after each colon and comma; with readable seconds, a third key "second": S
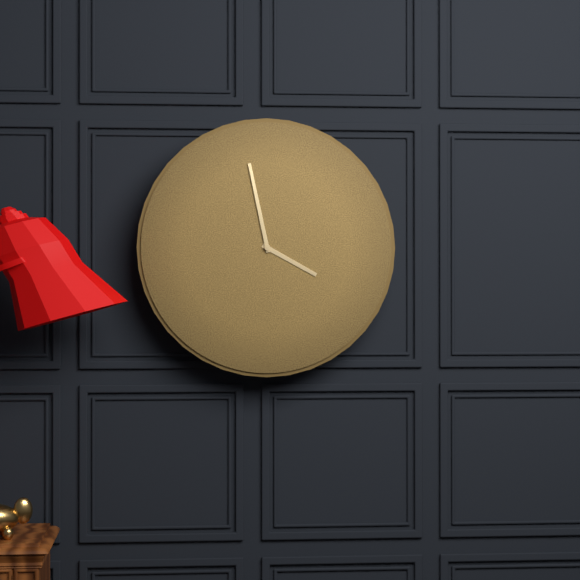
{"hour": 3, "minute": 58}
